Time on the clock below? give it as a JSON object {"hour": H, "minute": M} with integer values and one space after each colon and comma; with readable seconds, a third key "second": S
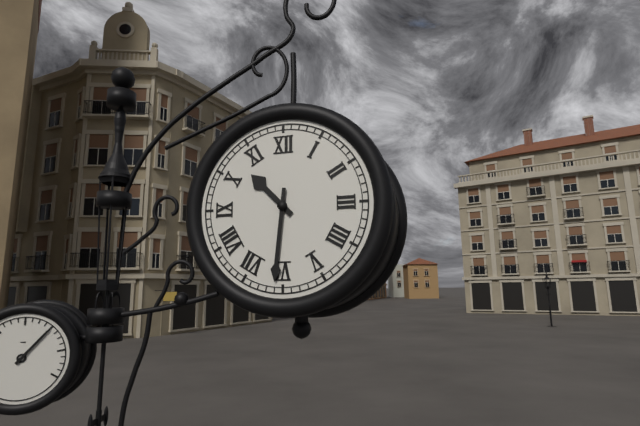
{"hour": 10, "minute": 31}
